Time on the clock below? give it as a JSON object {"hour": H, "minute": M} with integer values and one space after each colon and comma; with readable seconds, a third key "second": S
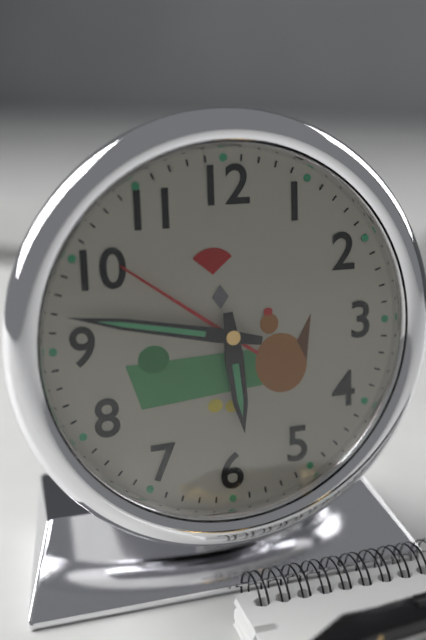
{"hour": 5, "minute": 47}
